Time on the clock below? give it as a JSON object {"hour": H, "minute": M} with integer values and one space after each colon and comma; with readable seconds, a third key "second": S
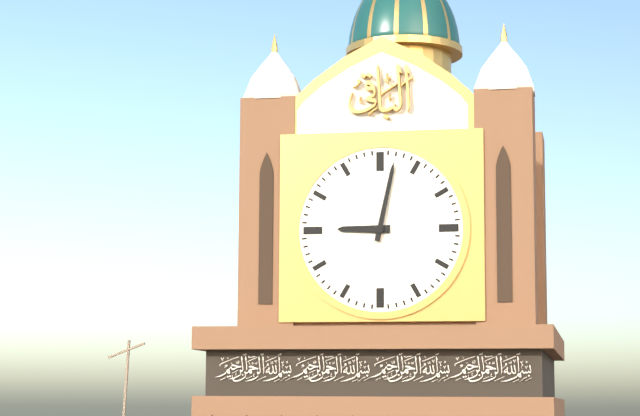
{"hour": 9, "minute": 2}
